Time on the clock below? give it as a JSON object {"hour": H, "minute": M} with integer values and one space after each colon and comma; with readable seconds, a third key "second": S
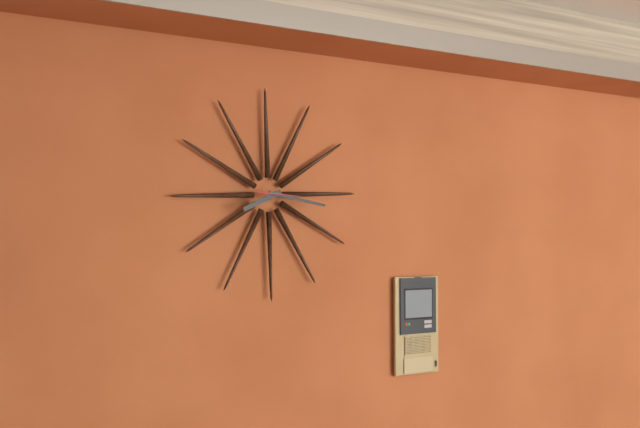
{"hour": 8, "minute": 17}
